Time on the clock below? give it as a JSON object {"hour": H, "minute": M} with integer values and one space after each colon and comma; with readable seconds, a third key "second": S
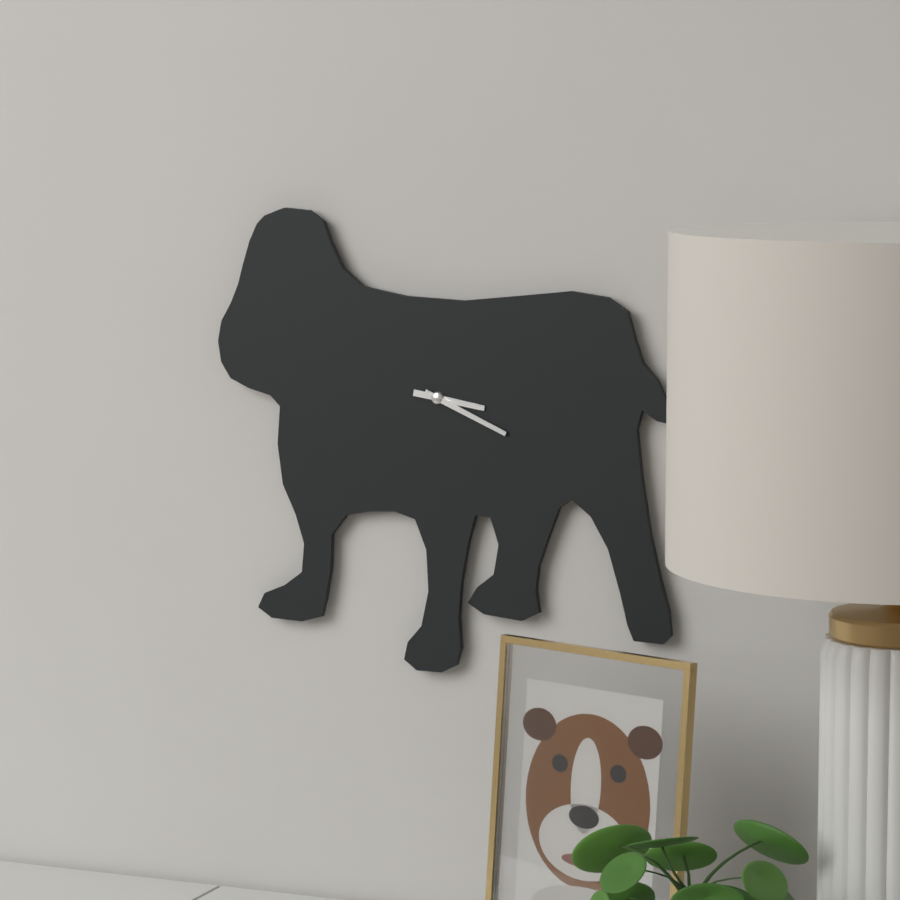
{"hour": 3, "minute": 19}
